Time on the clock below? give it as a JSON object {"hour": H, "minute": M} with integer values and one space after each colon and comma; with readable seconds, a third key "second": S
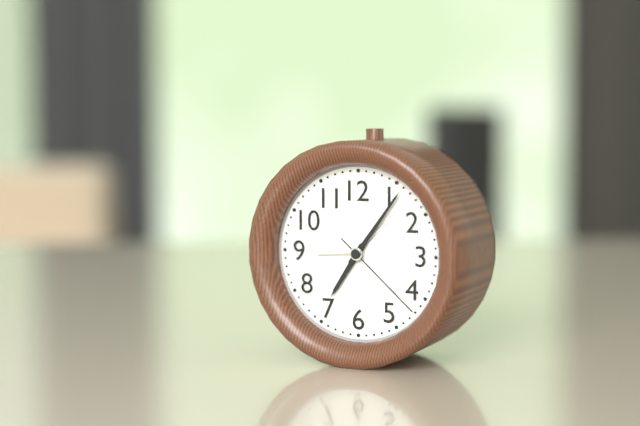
{"hour": 7, "minute": 6, "second": 22}
